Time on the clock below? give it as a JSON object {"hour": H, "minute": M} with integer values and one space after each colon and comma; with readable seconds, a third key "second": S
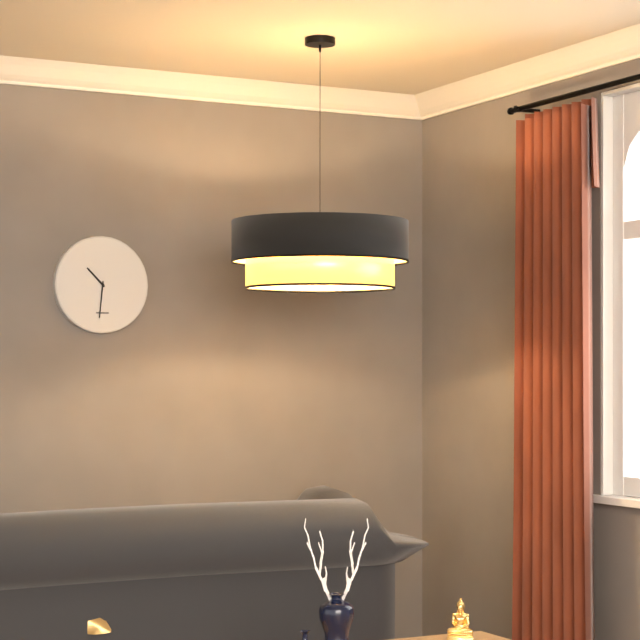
{"hour": 10, "minute": 31}
